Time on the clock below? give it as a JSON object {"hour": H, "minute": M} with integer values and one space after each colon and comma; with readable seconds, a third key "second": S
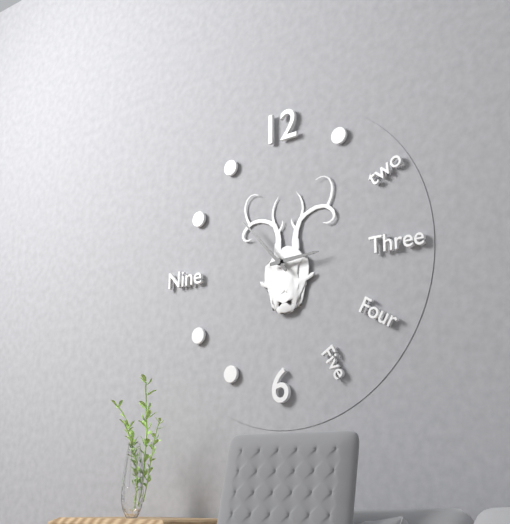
{"hour": 2, "minute": 53}
